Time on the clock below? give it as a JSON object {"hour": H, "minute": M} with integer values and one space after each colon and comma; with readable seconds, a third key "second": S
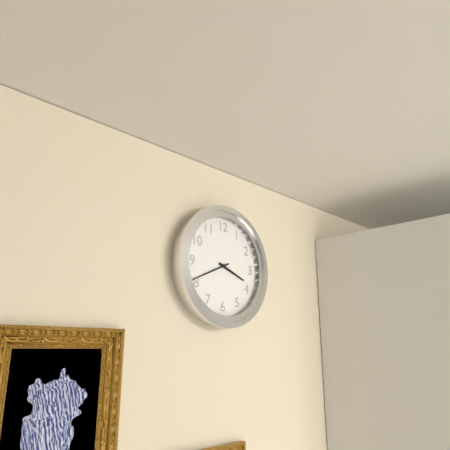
{"hour": 3, "minute": 41}
